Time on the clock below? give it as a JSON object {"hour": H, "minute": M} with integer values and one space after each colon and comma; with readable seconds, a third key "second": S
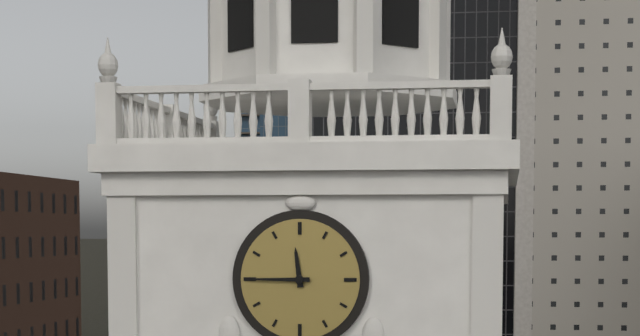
{"hour": 11, "minute": 45}
